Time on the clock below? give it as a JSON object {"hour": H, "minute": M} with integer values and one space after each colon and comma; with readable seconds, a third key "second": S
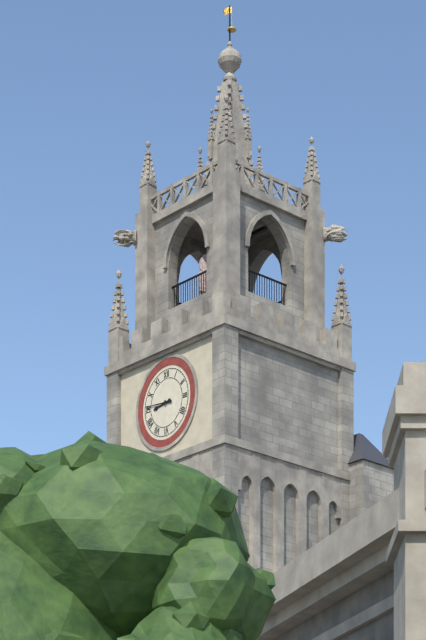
{"hour": 8, "minute": 46}
